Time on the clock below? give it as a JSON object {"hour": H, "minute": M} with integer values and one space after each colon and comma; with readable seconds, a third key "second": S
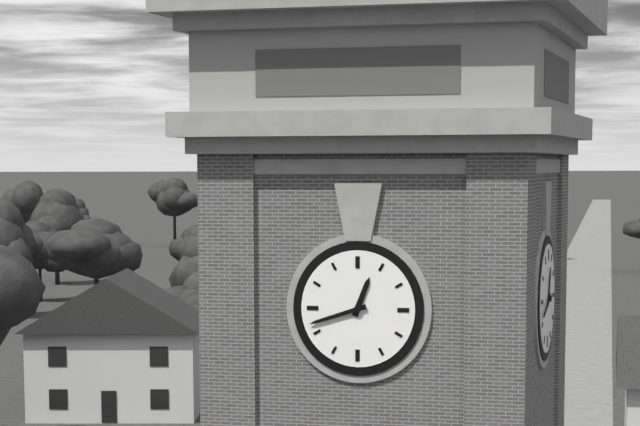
{"hour": 12, "minute": 42}
